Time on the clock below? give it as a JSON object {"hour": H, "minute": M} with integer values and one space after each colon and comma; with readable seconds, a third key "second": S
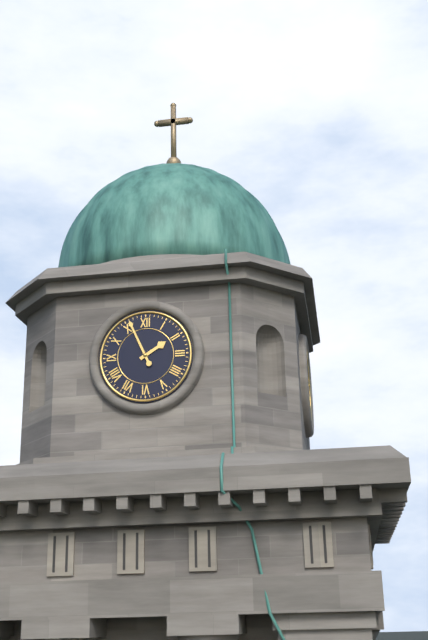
{"hour": 1, "minute": 56}
